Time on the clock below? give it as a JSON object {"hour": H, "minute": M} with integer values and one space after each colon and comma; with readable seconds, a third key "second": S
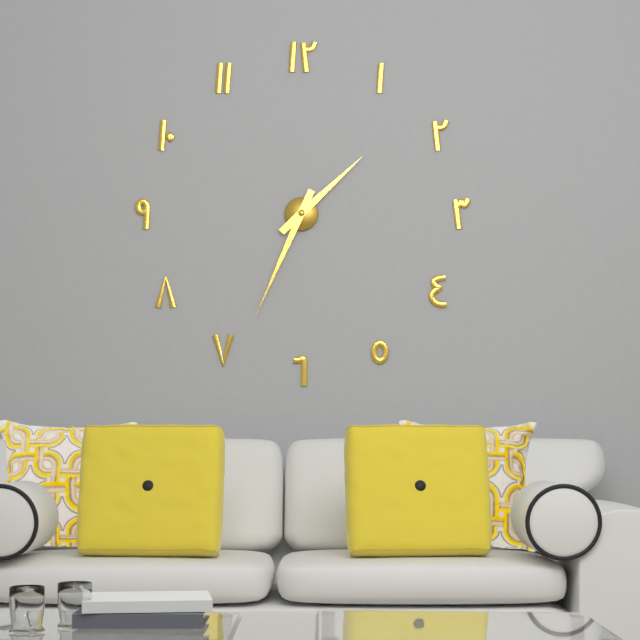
{"hour": 1, "minute": 34}
